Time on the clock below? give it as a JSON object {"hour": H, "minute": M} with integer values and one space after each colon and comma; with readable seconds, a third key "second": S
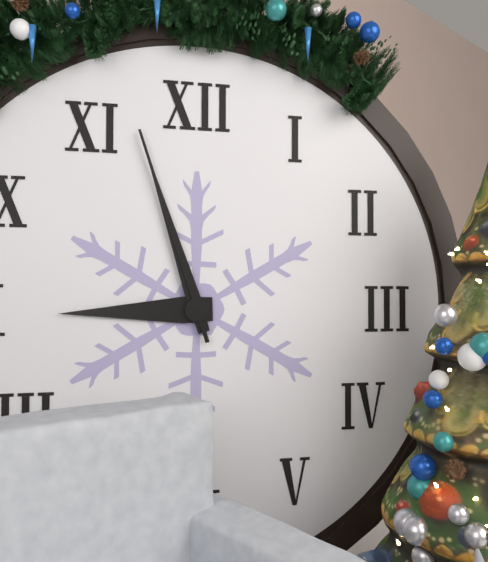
{"hour": 8, "minute": 57, "second": 57}
